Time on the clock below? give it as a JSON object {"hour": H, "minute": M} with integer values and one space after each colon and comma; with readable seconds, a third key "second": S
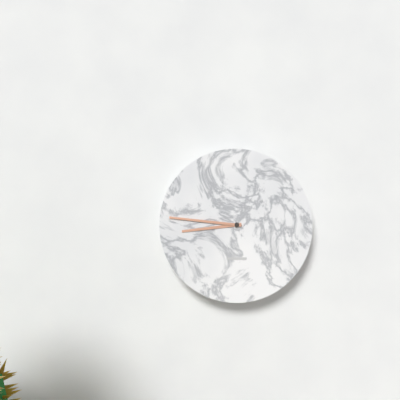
{"hour": 8, "minute": 46}
